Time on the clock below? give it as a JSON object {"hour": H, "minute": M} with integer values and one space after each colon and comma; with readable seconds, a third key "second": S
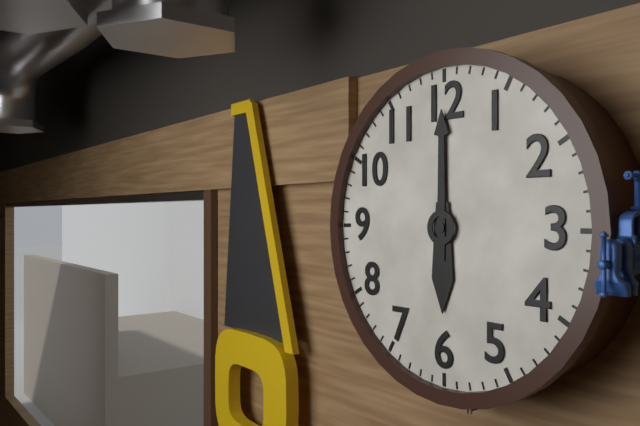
{"hour": 6, "minute": 0}
